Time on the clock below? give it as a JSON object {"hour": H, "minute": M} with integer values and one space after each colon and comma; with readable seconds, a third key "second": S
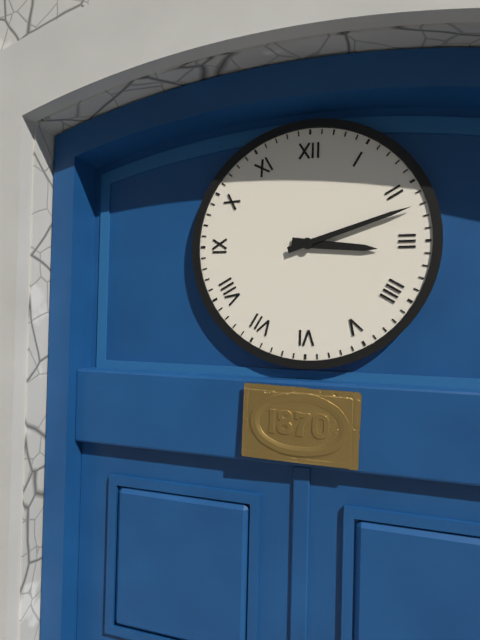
{"hour": 3, "minute": 12}
